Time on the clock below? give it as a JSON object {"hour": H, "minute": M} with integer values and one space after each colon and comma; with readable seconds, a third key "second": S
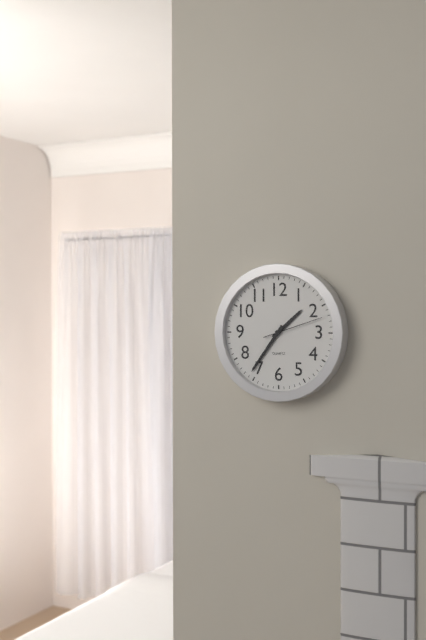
{"hour": 1, "minute": 36, "second": 12}
